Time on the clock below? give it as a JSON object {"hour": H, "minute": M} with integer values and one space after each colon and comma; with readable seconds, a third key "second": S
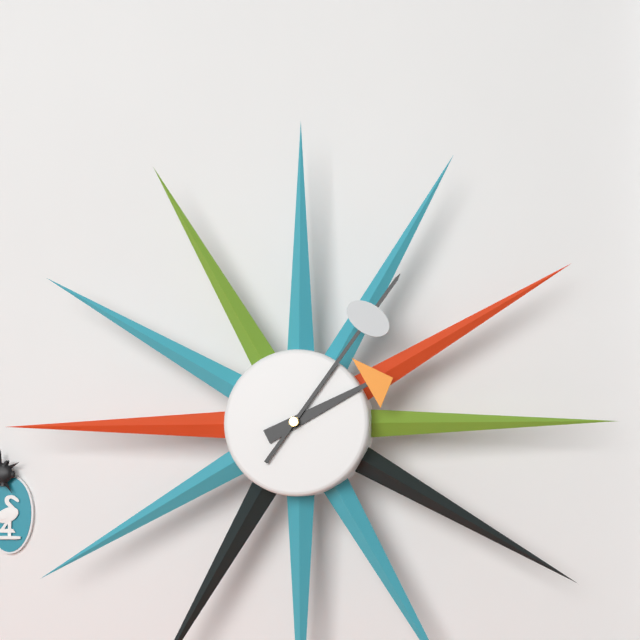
{"hour": 2, "minute": 6}
